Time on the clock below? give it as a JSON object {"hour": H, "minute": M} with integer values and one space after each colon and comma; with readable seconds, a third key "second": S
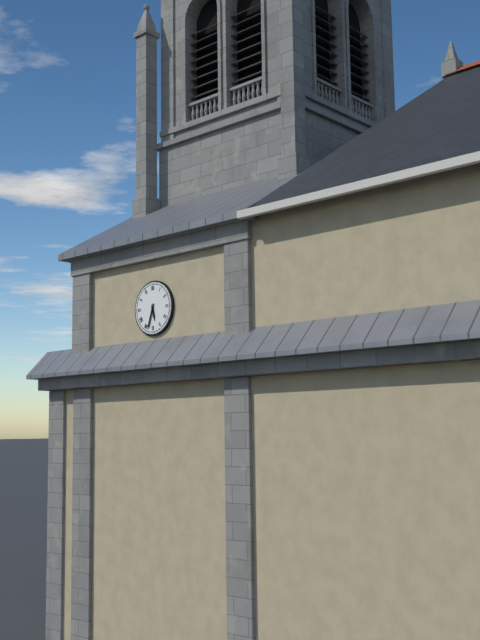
{"hour": 5, "minute": 33}
